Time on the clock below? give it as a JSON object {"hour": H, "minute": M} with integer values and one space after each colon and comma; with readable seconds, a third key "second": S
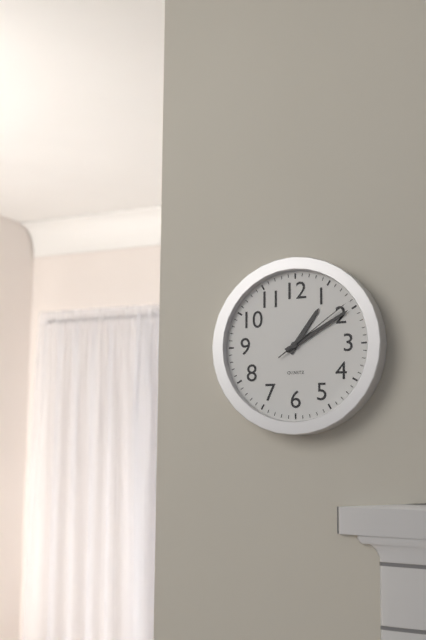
{"hour": 1, "minute": 10, "second": 9}
